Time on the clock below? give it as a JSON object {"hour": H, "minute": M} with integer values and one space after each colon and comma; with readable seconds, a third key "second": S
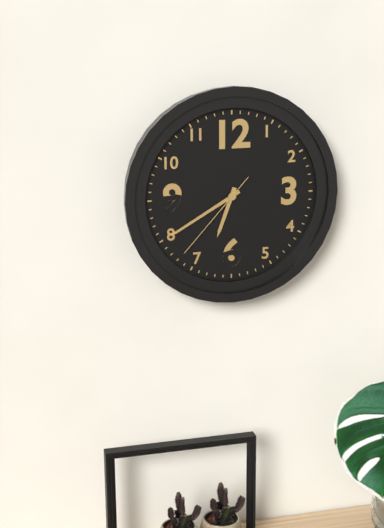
{"hour": 6, "minute": 40, "second": 37}
